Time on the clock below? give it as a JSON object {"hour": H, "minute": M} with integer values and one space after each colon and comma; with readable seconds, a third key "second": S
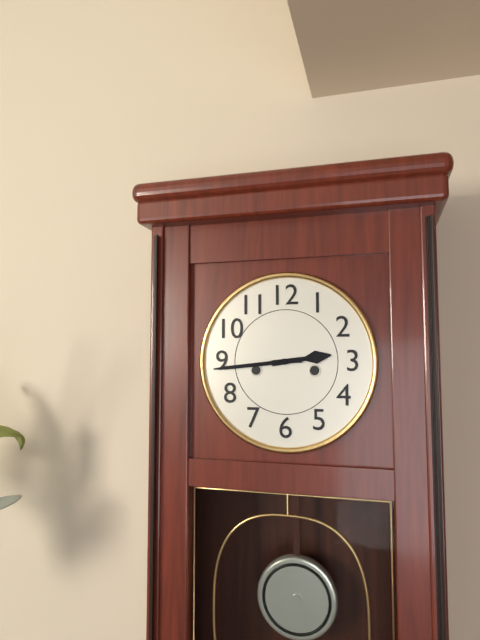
{"hour": 2, "minute": 44}
